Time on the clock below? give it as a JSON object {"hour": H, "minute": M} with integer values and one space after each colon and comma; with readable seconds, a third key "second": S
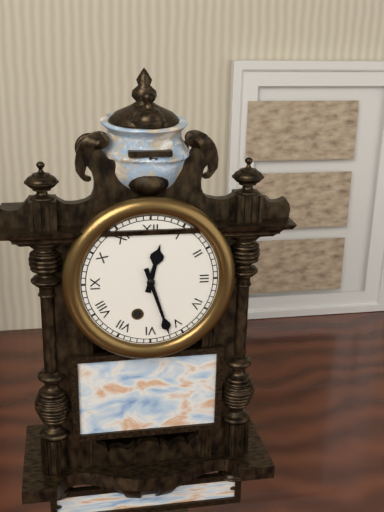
{"hour": 12, "minute": 27}
